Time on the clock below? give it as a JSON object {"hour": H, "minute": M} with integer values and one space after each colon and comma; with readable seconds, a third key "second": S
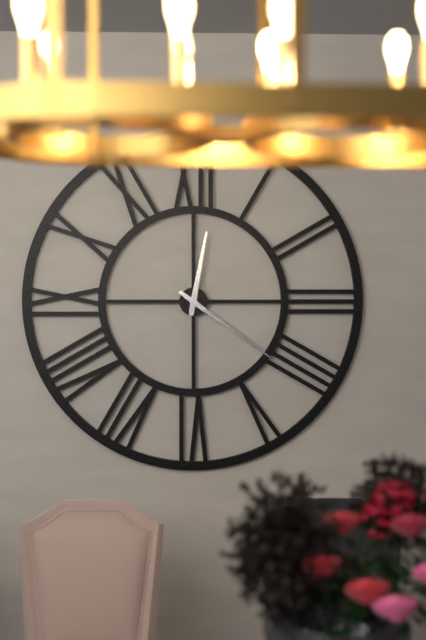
{"hour": 12, "minute": 21}
